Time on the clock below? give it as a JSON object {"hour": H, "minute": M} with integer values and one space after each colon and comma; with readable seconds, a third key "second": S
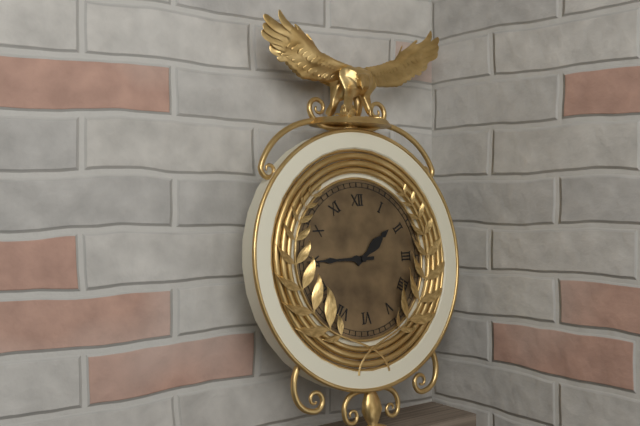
{"hour": 1, "minute": 45}
